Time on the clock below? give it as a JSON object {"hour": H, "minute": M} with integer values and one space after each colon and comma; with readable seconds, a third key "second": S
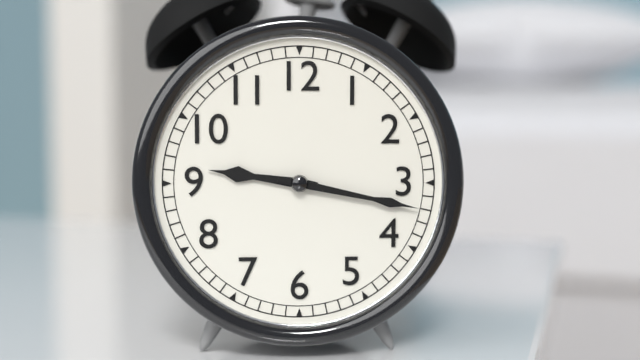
{"hour": 9, "minute": 17}
